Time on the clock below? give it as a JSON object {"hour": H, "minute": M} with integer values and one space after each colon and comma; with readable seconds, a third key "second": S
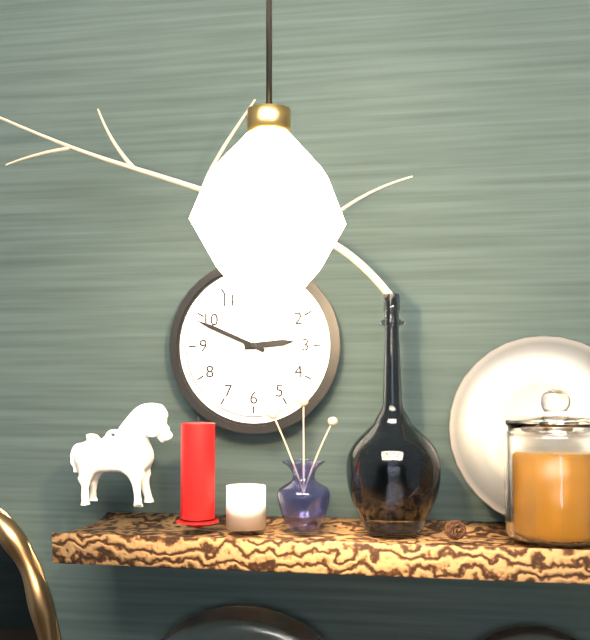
{"hour": 2, "minute": 49}
